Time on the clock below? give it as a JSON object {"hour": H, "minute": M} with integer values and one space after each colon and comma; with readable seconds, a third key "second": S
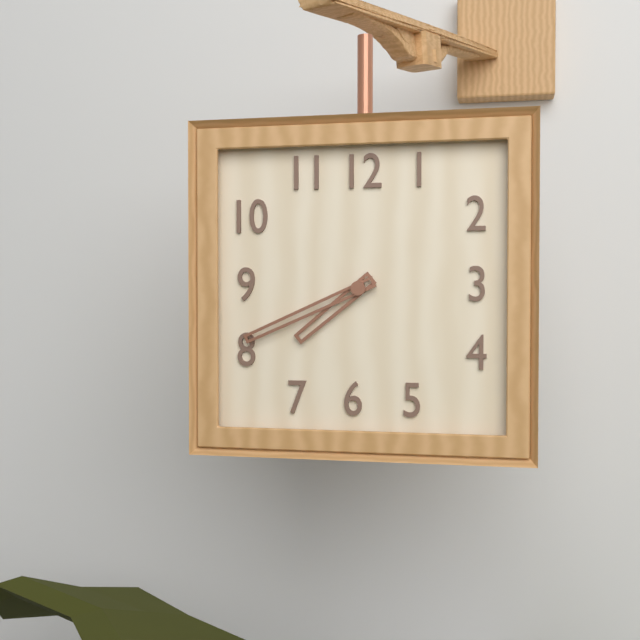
{"hour": 7, "minute": 41}
